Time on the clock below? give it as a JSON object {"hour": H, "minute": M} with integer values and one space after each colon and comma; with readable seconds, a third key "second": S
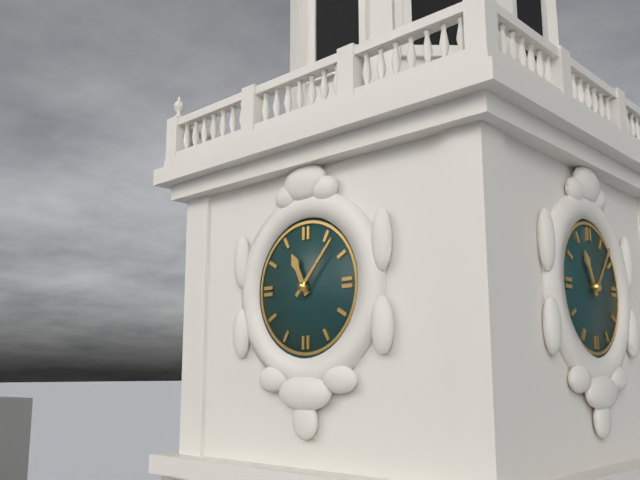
{"hour": 11, "minute": 7}
